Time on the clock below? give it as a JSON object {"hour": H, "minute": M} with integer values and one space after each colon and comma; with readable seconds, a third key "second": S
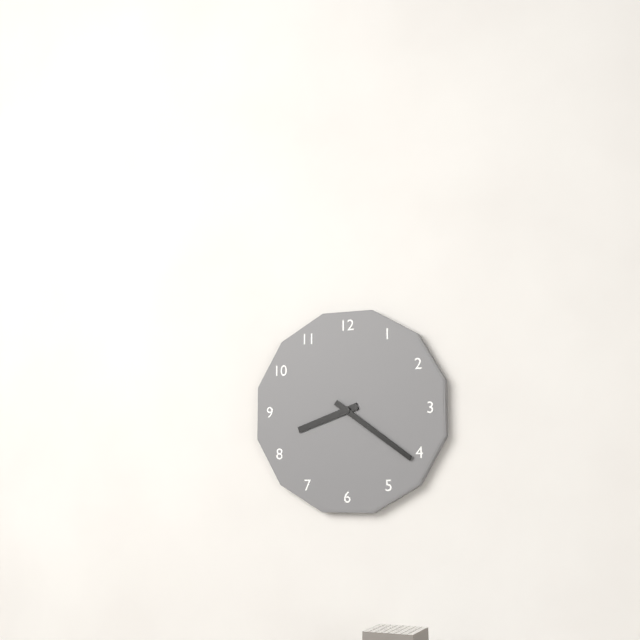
{"hour": 8, "minute": 21}
